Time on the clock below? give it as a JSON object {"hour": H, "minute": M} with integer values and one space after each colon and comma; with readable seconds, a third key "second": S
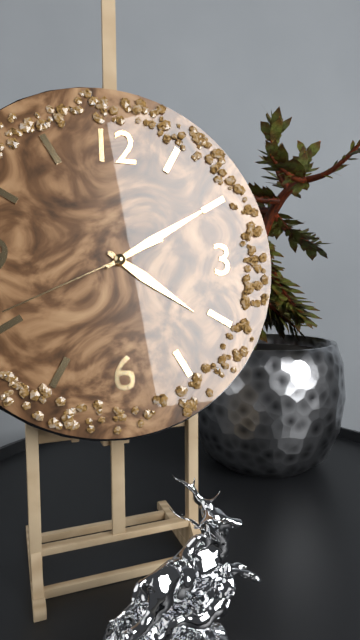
{"hour": 4, "minute": 10, "second": 41}
